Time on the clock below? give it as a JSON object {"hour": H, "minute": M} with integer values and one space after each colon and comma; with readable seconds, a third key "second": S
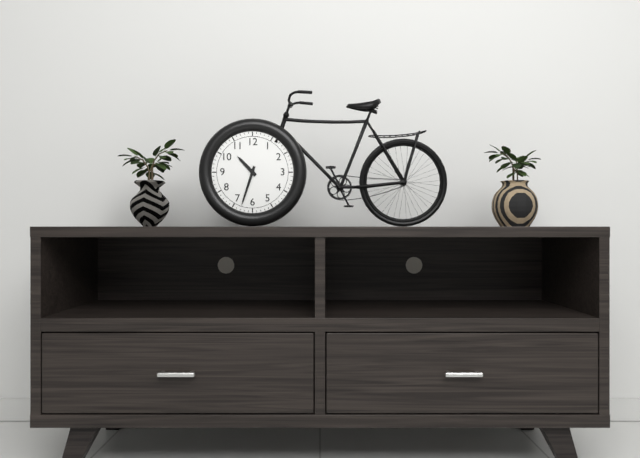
{"hour": 10, "minute": 33}
